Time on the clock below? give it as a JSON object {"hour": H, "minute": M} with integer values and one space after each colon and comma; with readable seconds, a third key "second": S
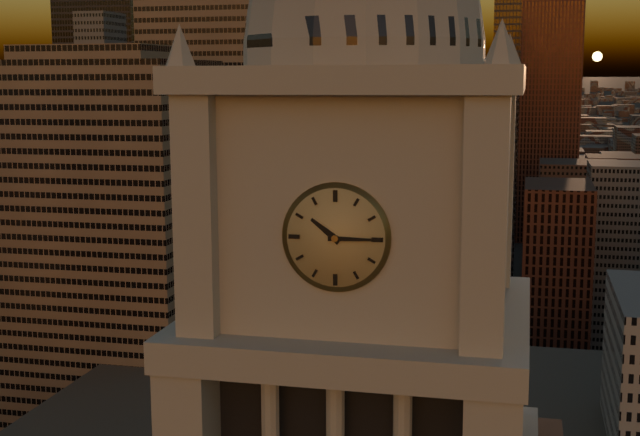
{"hour": 10, "minute": 15}
